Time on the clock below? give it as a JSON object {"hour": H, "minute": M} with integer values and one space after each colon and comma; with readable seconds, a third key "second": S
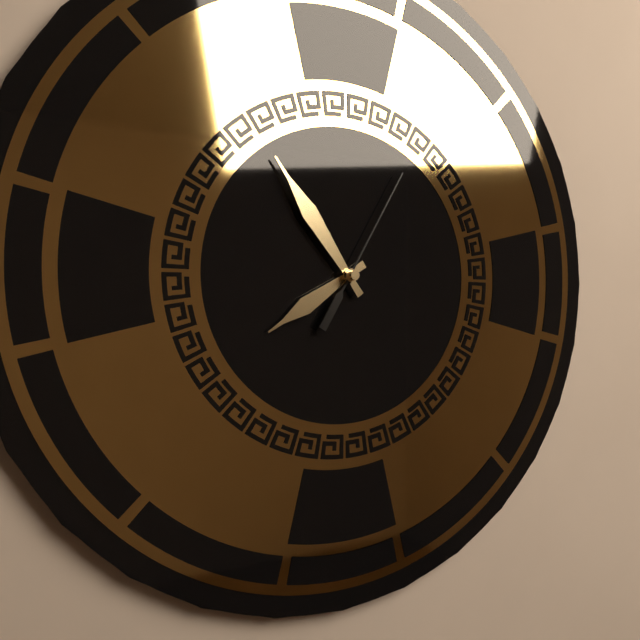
{"hour": 7, "minute": 54, "second": 5}
